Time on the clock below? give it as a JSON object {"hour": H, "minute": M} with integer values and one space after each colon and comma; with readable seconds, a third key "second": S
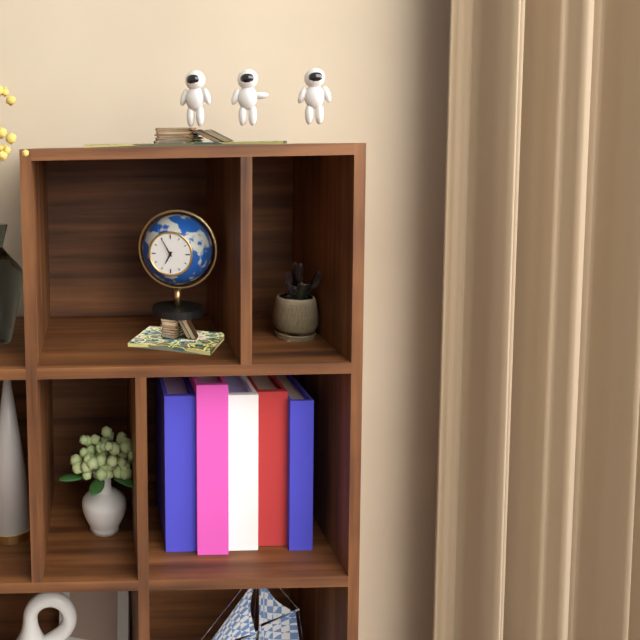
{"hour": 6, "minute": 55}
